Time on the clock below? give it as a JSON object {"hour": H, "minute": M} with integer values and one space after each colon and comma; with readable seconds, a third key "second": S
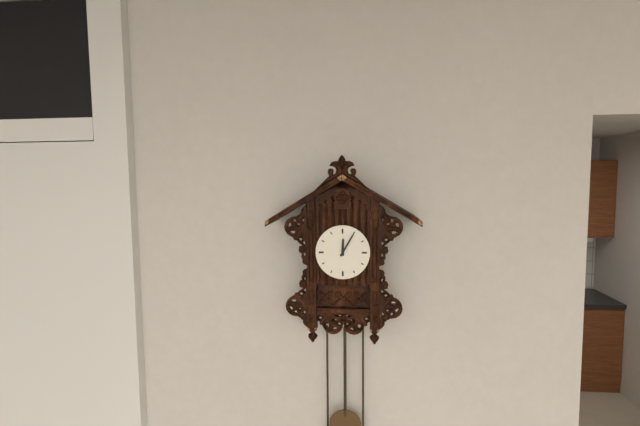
{"hour": 12, "minute": 5}
